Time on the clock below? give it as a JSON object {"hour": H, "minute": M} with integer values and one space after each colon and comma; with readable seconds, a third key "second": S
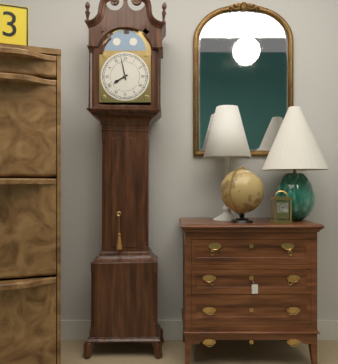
{"hour": 7, "minute": 58}
